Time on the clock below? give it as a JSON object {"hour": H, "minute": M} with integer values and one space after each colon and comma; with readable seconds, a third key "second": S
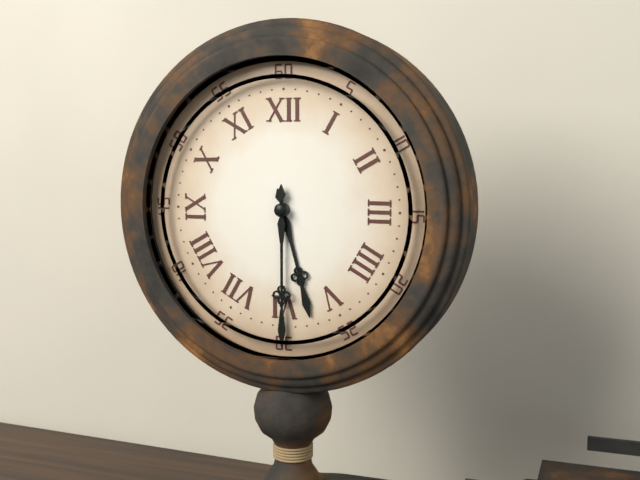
{"hour": 5, "minute": 30}
